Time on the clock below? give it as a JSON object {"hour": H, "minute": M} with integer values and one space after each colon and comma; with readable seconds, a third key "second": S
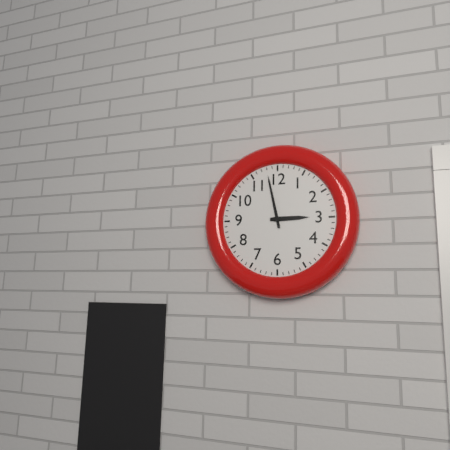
{"hour": 2, "minute": 58}
